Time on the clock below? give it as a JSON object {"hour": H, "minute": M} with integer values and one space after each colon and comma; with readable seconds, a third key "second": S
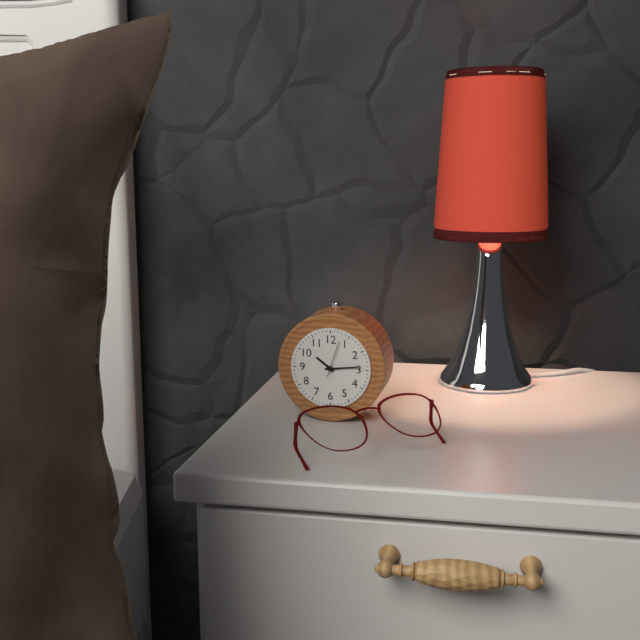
{"hour": 10, "minute": 14}
